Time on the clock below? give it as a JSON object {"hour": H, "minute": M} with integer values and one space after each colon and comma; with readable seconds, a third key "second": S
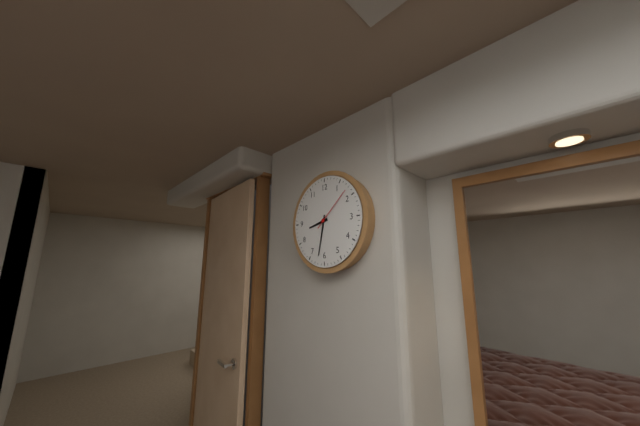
{"hour": 8, "minute": 32}
